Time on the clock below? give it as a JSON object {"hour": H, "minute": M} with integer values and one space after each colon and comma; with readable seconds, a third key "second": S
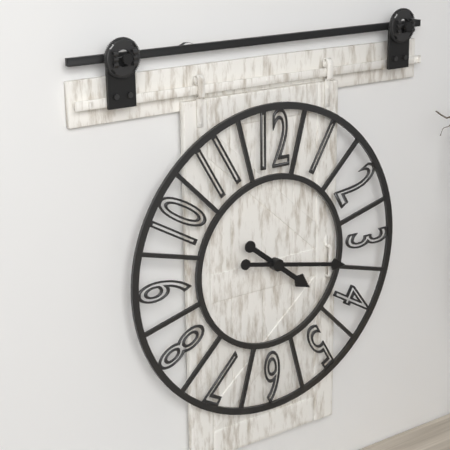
{"hour": 4, "minute": 17}
